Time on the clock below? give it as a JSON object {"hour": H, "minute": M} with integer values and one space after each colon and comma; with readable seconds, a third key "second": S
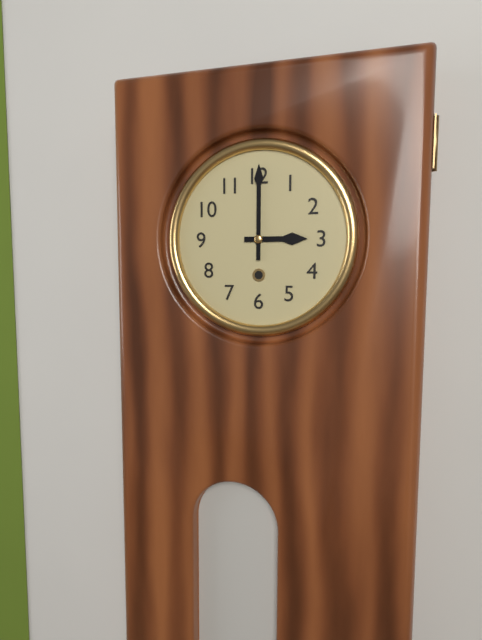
{"hour": 3, "minute": 0}
